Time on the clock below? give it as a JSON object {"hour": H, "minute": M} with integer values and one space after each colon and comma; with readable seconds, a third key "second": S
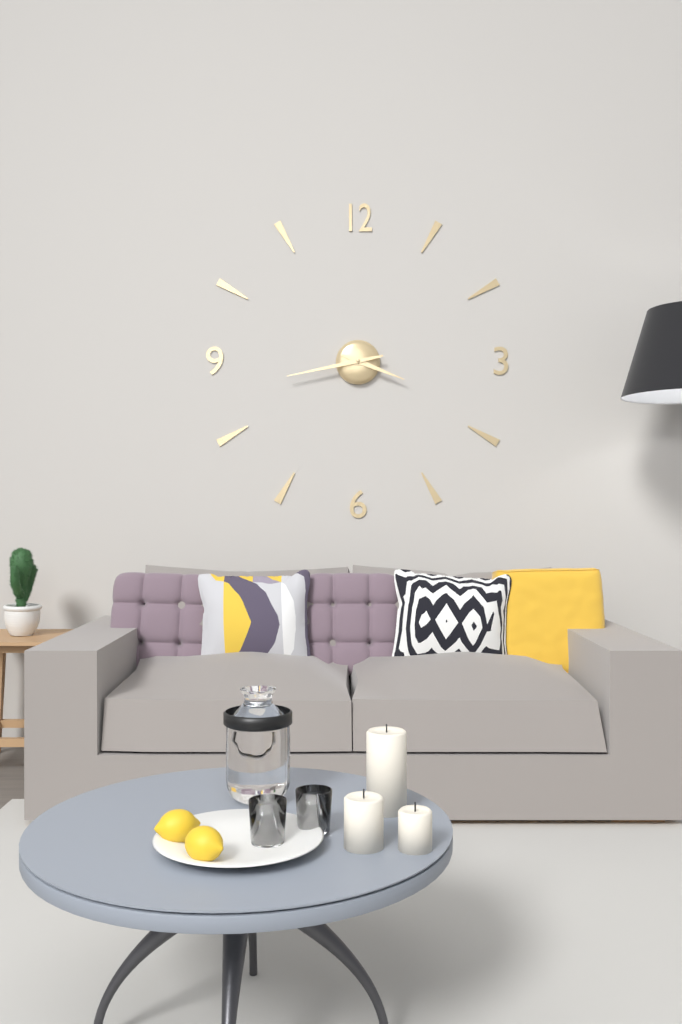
{"hour": 3, "minute": 43}
